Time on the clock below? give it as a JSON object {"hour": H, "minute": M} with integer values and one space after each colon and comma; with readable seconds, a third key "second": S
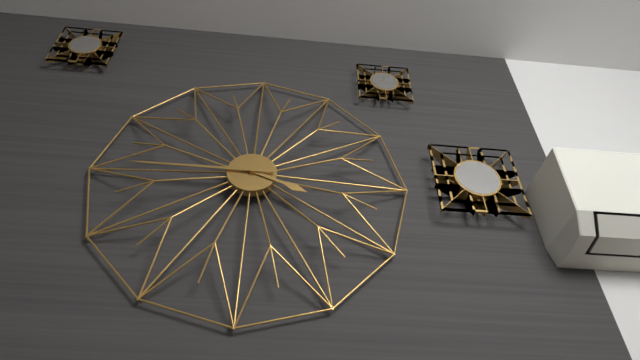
{"hour": 3, "minute": 45}
